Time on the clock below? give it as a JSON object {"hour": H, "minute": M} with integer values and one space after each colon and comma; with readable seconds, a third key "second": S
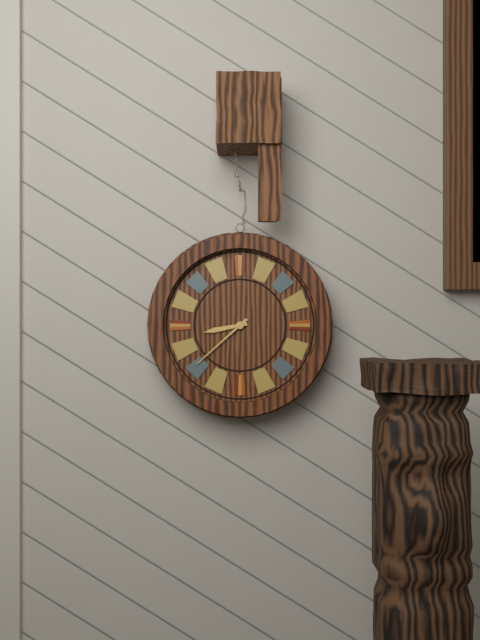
{"hour": 8, "minute": 38}
